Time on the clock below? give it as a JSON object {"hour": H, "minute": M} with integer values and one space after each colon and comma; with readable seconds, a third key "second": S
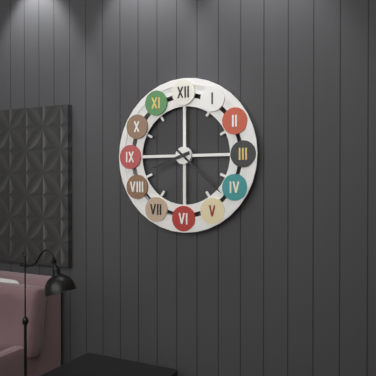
{"hour": 8, "minute": 22}
